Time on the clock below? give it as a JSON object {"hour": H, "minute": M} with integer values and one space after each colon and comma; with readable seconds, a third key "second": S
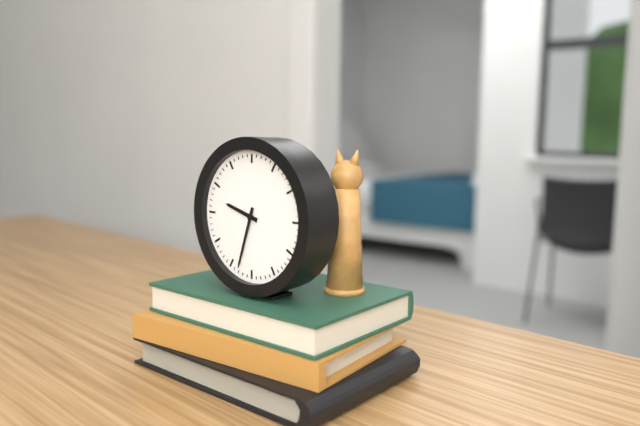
{"hour": 9, "minute": 33}
